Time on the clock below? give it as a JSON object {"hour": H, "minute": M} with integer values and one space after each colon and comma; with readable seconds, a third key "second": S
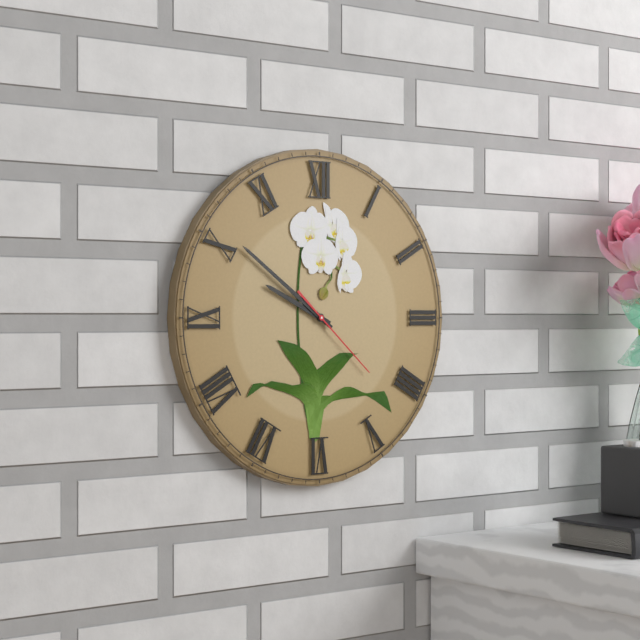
{"hour": 9, "minute": 51, "second": 22}
